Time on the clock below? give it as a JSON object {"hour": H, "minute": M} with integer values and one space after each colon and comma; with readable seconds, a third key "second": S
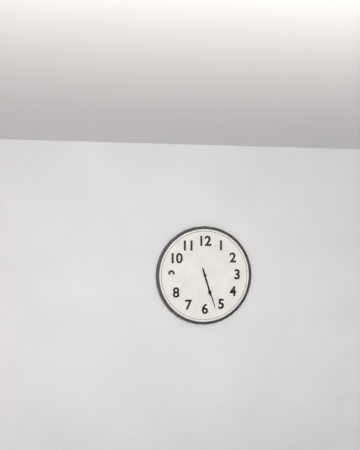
{"hour": 5, "minute": 27}
